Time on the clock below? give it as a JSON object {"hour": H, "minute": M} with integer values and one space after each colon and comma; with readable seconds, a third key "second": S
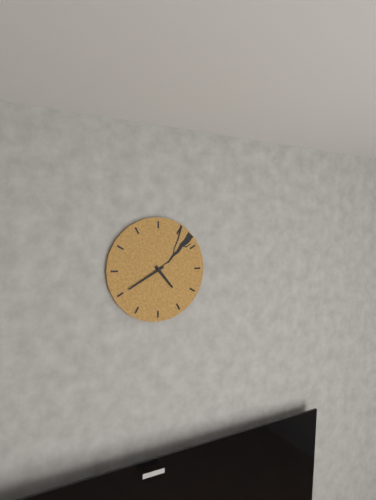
{"hour": 4, "minute": 40}
